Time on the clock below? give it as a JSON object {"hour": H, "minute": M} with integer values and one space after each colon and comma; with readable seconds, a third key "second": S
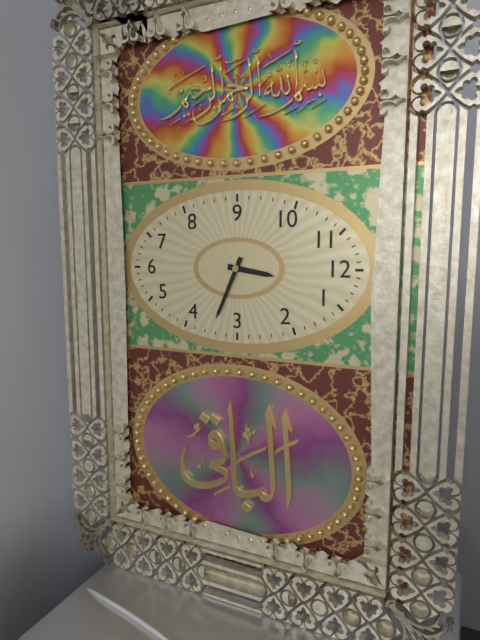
{"hour": 12, "minute": 19}
